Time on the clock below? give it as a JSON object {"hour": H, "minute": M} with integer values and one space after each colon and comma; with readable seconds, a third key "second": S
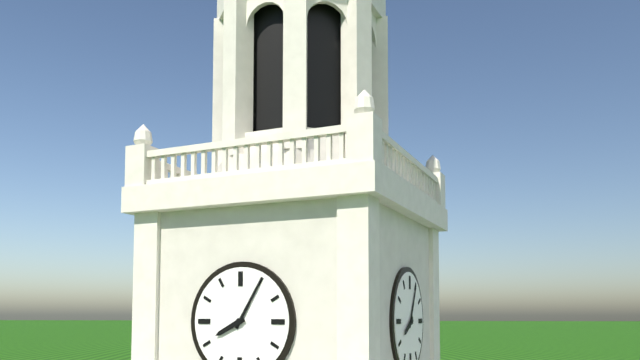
{"hour": 8, "minute": 5}
